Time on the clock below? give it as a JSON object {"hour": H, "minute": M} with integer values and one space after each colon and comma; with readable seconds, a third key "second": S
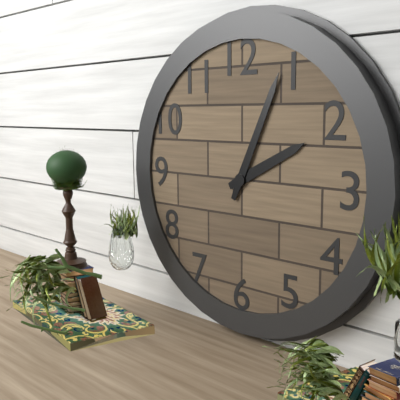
{"hour": 2, "minute": 4}
